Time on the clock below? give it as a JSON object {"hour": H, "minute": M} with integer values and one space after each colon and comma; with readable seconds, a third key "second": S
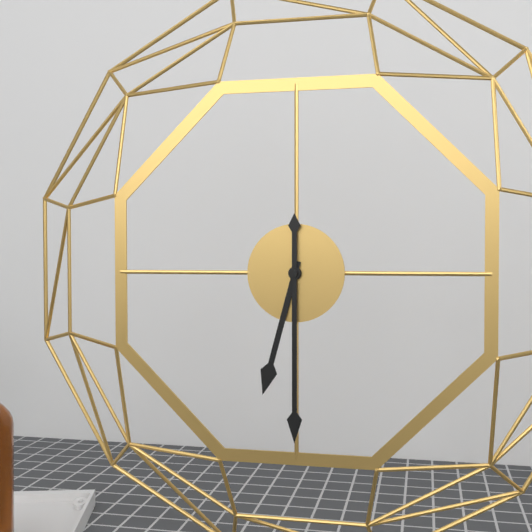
{"hour": 6, "minute": 30}
